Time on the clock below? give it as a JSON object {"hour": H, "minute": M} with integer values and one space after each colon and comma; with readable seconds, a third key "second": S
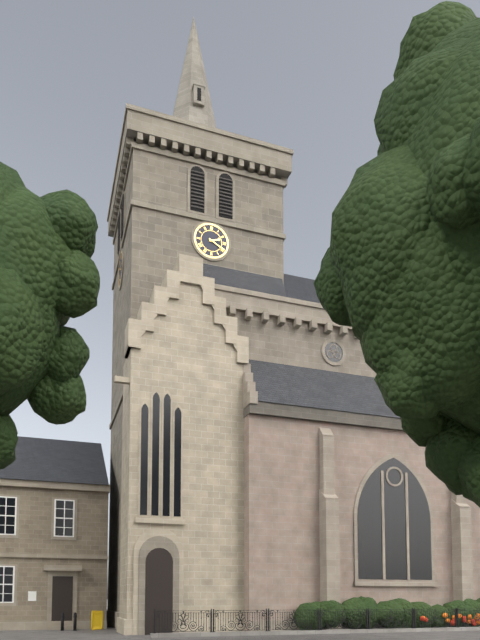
{"hour": 2, "minute": 20}
